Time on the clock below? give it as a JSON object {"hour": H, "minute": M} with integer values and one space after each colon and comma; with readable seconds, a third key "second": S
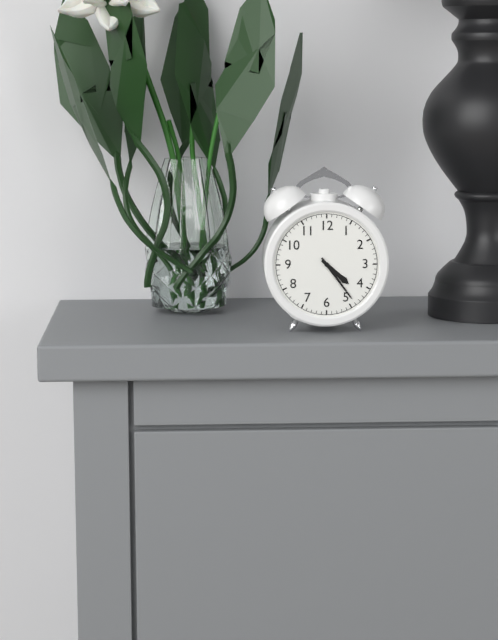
{"hour": 4, "minute": 24}
